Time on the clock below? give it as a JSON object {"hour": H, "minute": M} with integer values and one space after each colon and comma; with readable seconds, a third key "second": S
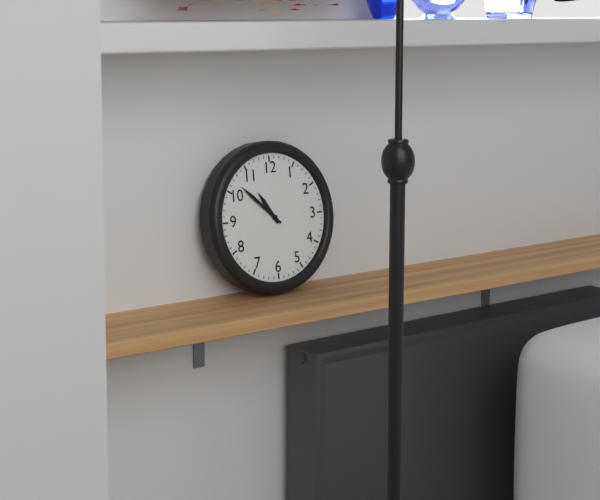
{"hour": 10, "minute": 52}
